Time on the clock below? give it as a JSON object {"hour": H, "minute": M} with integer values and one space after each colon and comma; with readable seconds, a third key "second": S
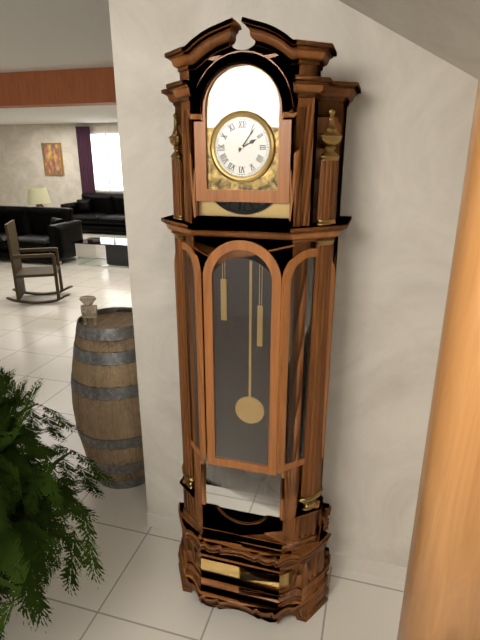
{"hour": 2, "minute": 6}
